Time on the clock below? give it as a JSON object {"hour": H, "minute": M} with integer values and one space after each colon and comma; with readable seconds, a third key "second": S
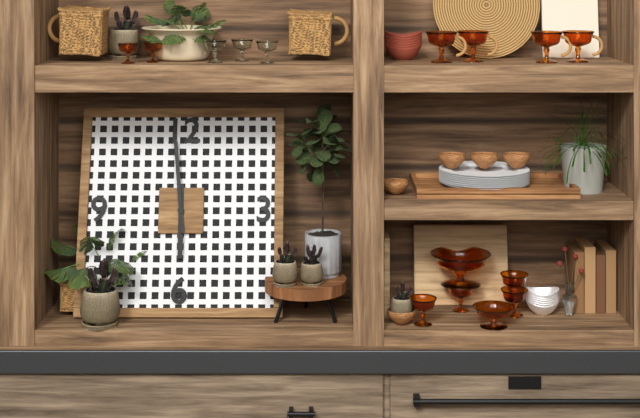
{"hour": 5, "minute": 59}
